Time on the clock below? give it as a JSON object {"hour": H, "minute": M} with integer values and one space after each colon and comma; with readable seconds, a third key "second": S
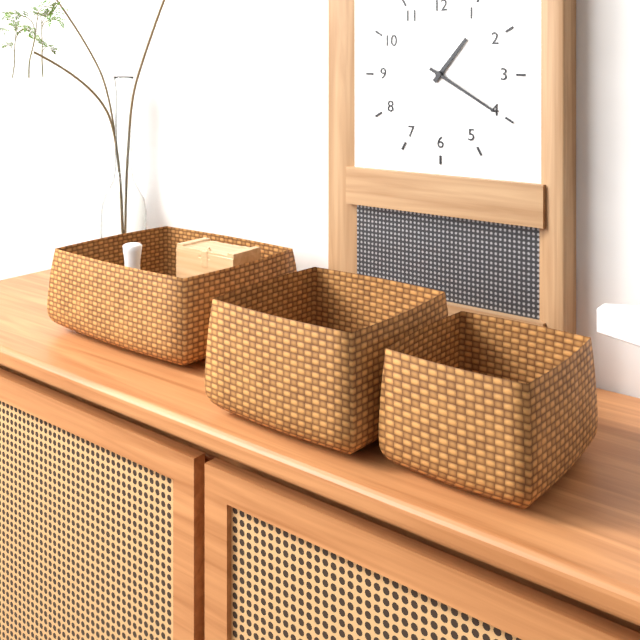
{"hour": 1, "minute": 20}
